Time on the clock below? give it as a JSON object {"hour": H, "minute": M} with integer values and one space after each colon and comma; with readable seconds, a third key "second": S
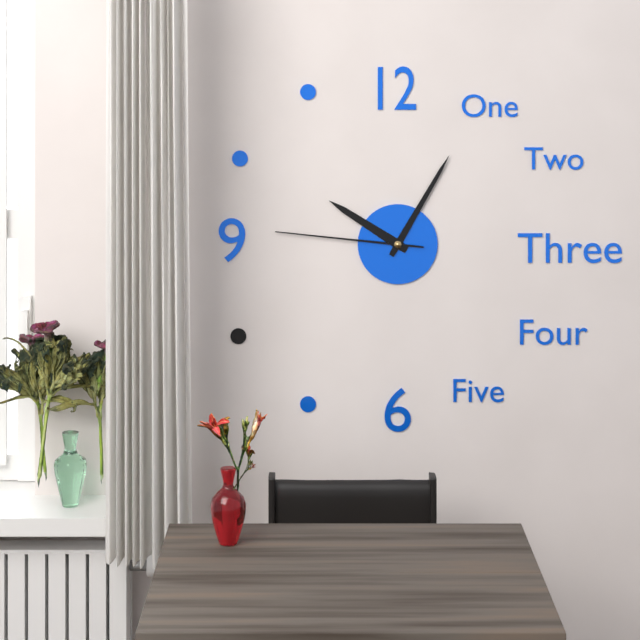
{"hour": 10, "minute": 5, "second": 46}
